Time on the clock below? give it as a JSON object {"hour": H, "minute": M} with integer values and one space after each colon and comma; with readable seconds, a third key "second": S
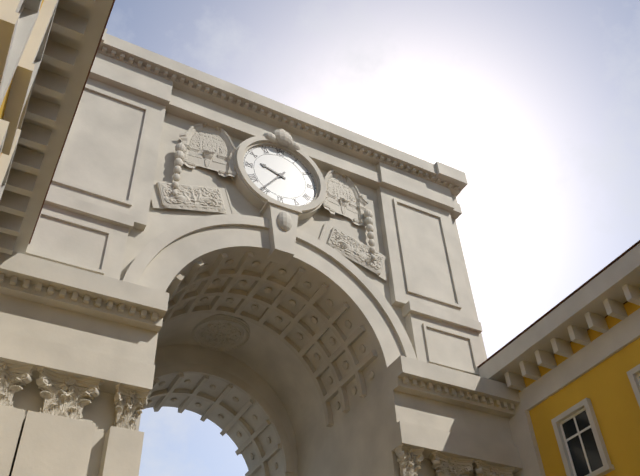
{"hour": 9, "minute": 36}
